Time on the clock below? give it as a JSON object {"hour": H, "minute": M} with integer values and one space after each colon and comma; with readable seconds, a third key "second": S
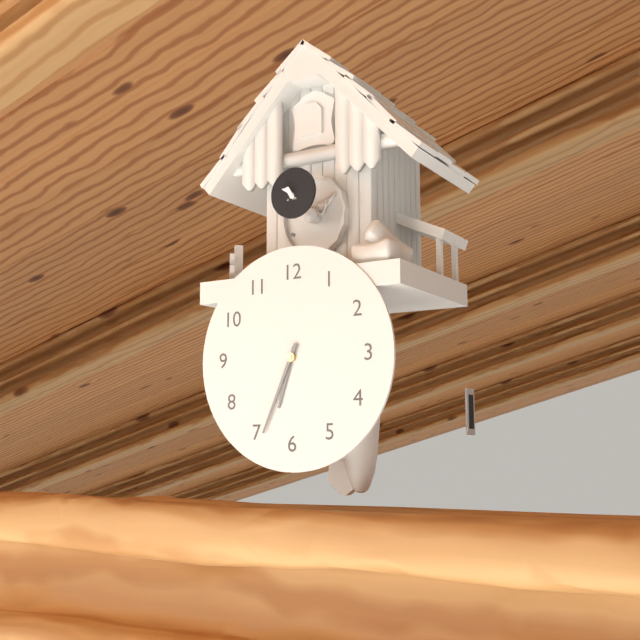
{"hour": 6, "minute": 34}
